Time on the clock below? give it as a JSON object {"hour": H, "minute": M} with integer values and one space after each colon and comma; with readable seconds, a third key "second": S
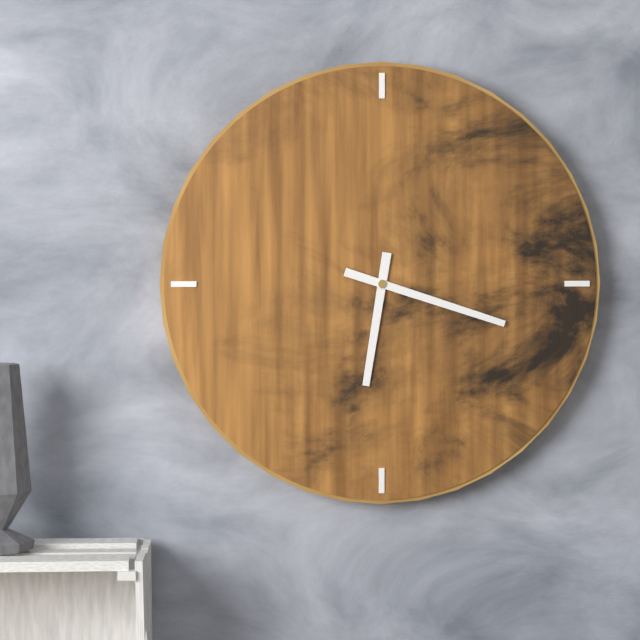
{"hour": 6, "minute": 18}
